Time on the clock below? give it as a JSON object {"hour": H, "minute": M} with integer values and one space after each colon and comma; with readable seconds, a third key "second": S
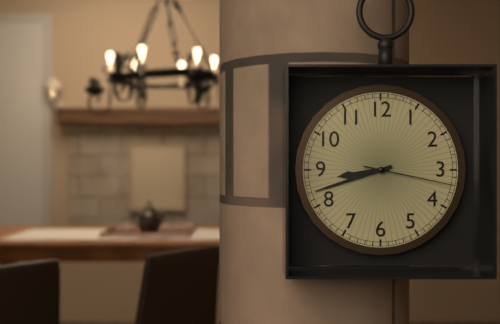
{"hour": 8, "minute": 42, "second": 17}
